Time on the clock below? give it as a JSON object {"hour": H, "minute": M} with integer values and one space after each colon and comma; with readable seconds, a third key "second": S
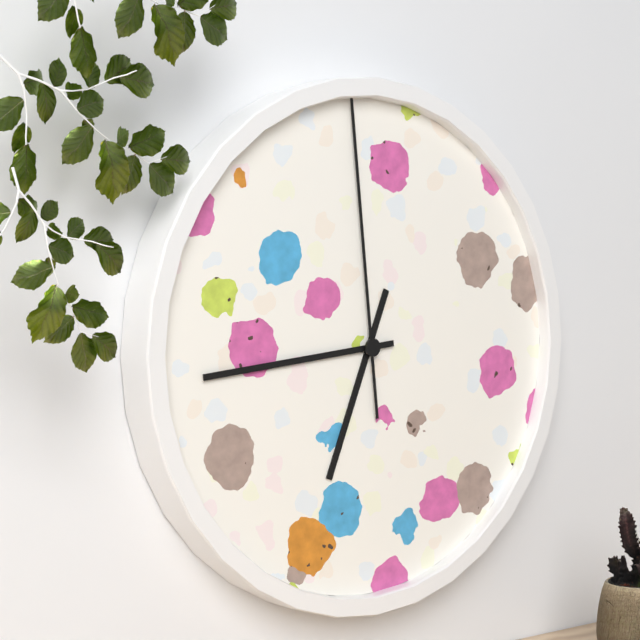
{"hour": 6, "minute": 44, "second": 59}
